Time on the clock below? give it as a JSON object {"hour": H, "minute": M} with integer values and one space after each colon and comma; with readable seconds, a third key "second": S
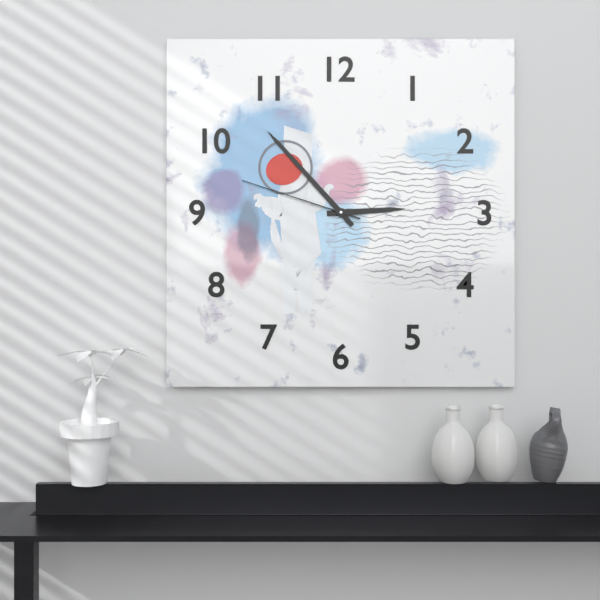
{"hour": 2, "minute": 53, "second": 48}
